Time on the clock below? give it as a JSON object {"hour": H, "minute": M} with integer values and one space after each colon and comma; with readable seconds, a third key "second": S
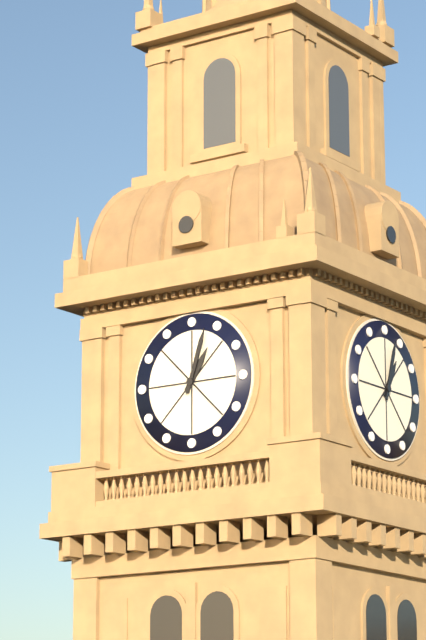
{"hour": 1, "minute": 3}
